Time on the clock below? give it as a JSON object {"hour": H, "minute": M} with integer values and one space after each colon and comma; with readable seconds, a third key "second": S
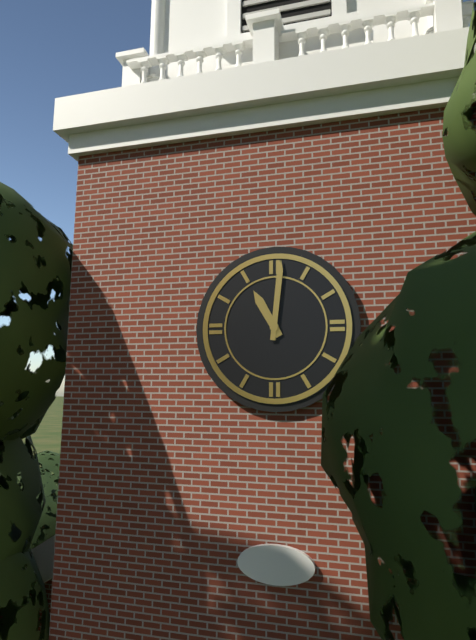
{"hour": 11, "minute": 1}
